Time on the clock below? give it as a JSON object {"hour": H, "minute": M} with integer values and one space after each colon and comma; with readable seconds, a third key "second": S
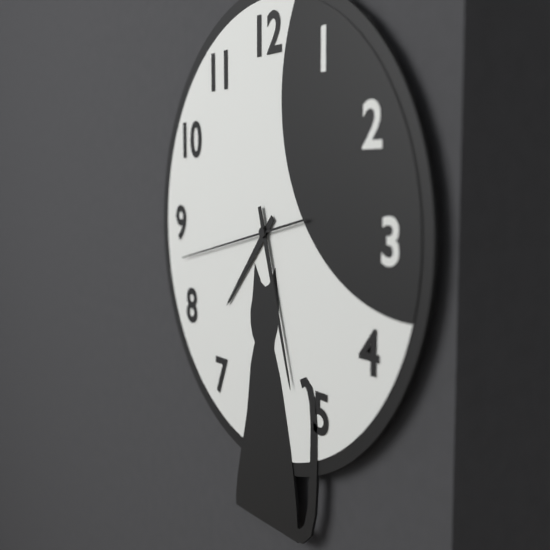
{"hour": 7, "minute": 27, "second": 43}
